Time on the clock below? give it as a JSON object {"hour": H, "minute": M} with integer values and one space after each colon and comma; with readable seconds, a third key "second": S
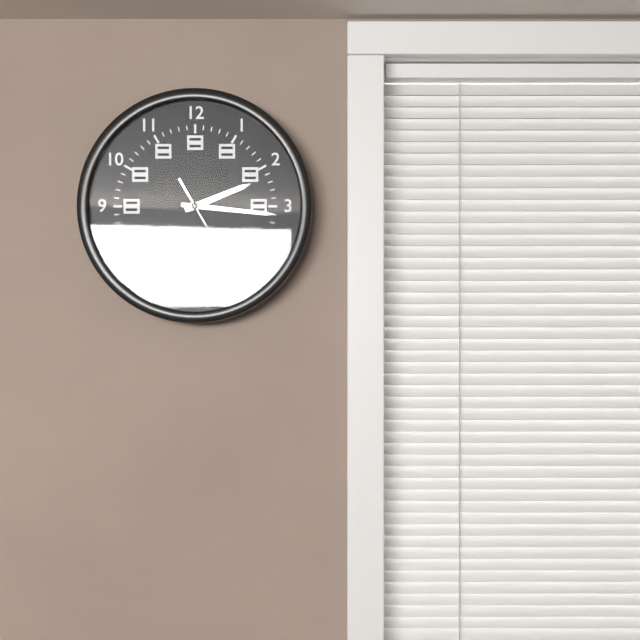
{"hour": 2, "minute": 16, "second": 25}
